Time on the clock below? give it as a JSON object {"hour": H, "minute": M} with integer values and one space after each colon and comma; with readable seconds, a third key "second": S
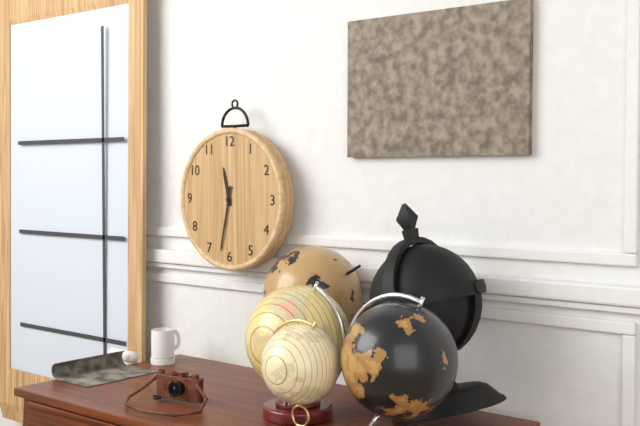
{"hour": 11, "minute": 32}
